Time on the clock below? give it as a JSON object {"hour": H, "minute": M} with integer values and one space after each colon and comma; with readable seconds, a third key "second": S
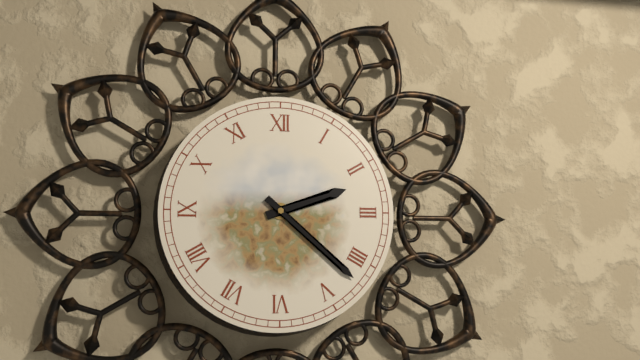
{"hour": 2, "minute": 22}
